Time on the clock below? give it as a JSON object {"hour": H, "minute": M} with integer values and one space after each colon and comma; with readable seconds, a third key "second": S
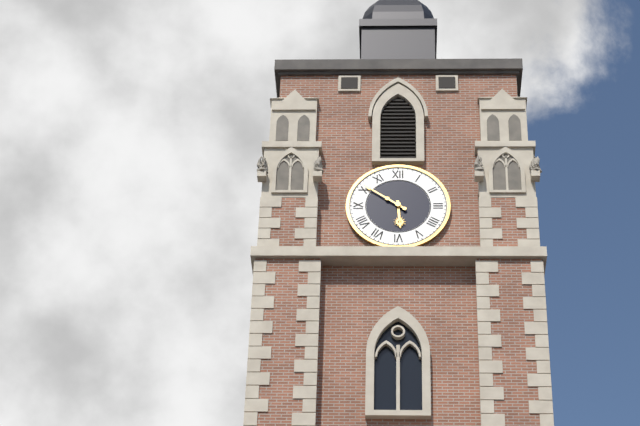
{"hour": 5, "minute": 51}
